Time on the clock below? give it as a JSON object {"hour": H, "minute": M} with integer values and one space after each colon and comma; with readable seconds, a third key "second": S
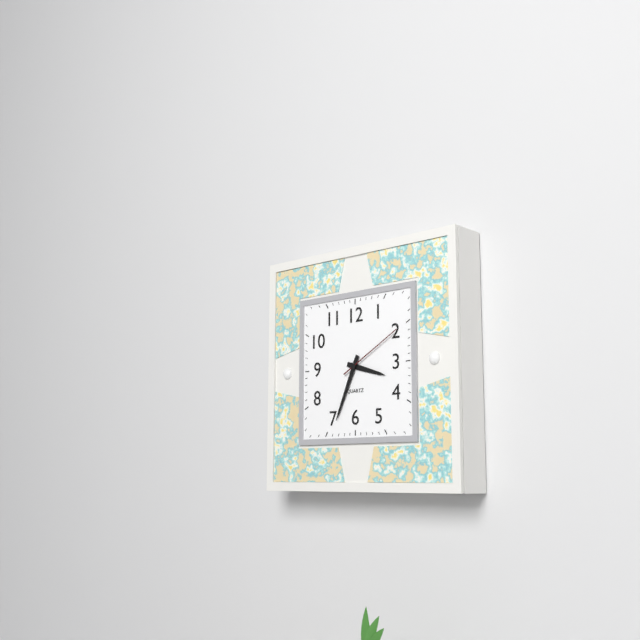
{"hour": 3, "minute": 34, "second": 10}
